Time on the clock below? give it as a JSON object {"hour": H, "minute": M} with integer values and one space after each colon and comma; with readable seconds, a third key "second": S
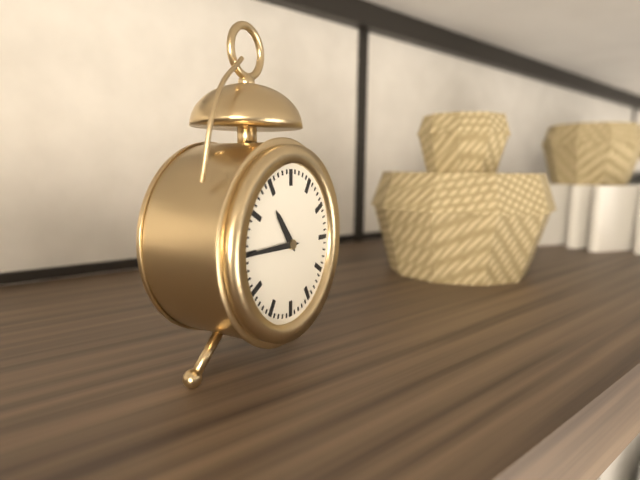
{"hour": 10, "minute": 45}
